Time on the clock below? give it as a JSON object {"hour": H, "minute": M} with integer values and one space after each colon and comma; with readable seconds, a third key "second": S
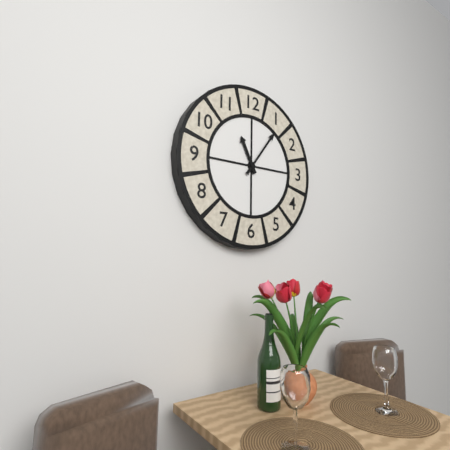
{"hour": 11, "minute": 6}
